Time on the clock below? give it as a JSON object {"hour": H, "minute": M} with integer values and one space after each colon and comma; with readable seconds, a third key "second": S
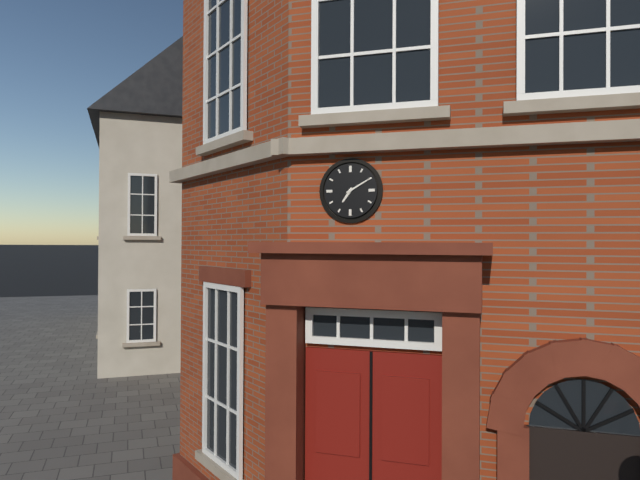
{"hour": 7, "minute": 10}
